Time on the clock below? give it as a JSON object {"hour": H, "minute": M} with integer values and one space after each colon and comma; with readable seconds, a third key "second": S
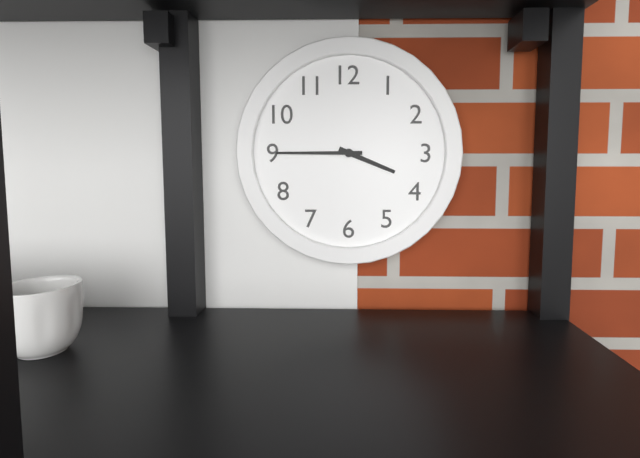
{"hour": 3, "minute": 45}
